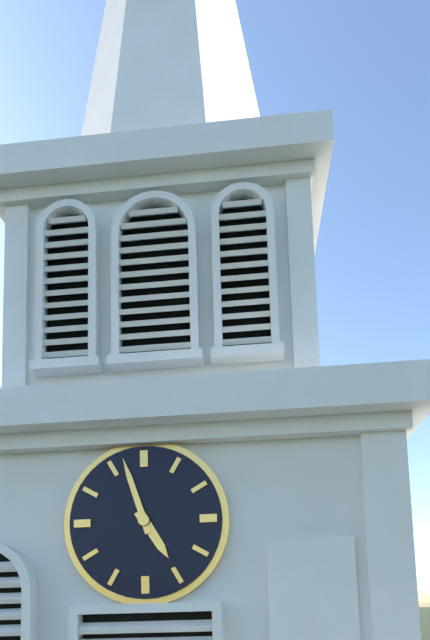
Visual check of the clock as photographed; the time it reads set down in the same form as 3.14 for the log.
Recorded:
4.57
